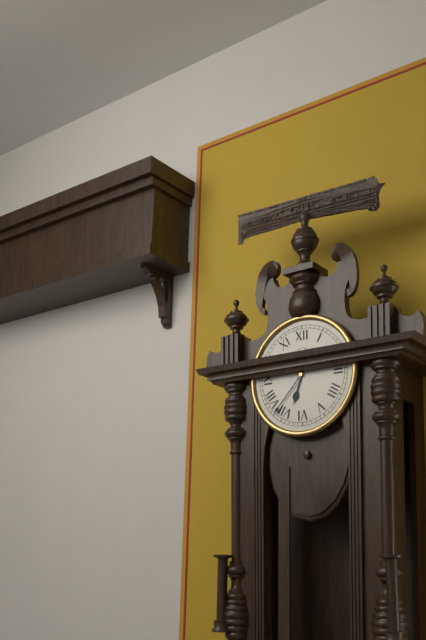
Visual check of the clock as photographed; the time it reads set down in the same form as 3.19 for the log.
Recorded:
6.37
